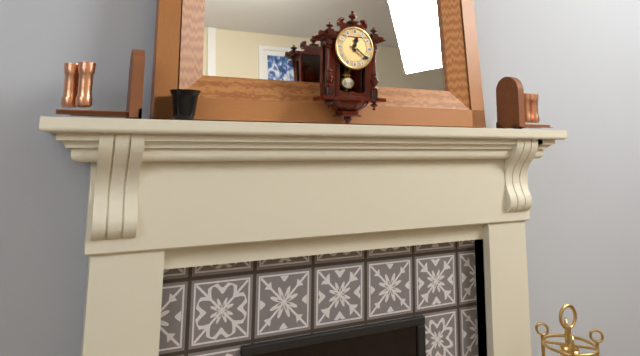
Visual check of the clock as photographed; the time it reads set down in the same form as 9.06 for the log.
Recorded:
12.21
